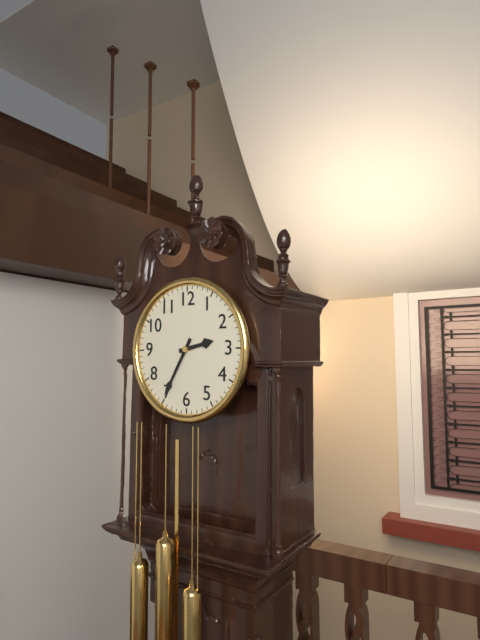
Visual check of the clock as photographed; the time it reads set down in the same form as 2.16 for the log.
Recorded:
2.35
